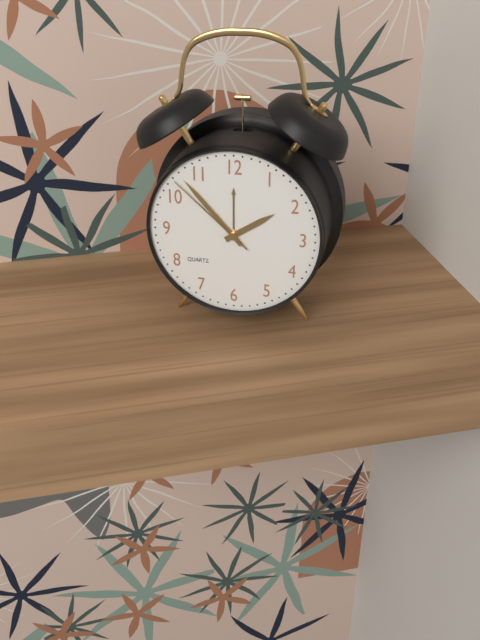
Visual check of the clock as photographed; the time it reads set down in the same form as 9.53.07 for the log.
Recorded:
1.53.52
